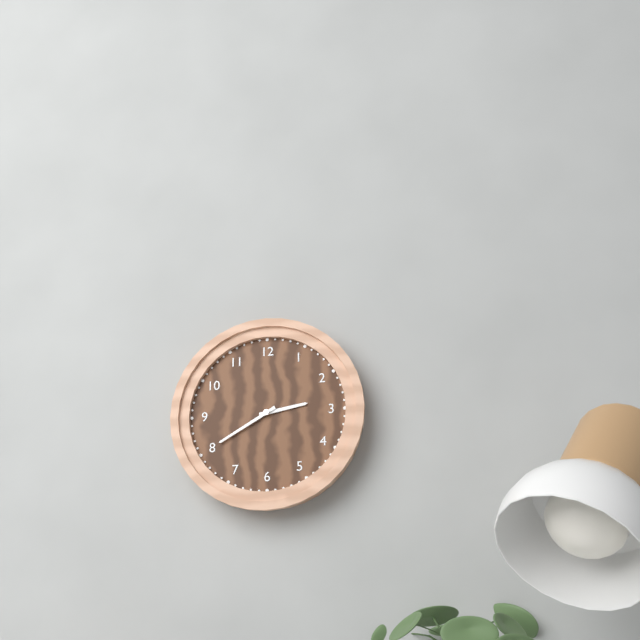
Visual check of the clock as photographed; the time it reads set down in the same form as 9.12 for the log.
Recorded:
2.40
